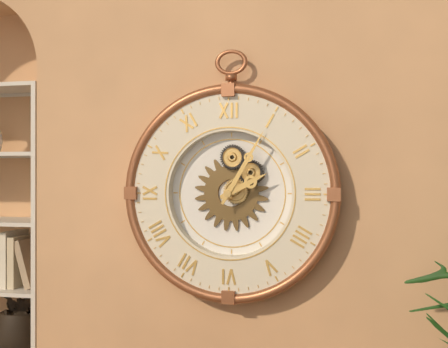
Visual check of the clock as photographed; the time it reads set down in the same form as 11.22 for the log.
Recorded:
2.05
